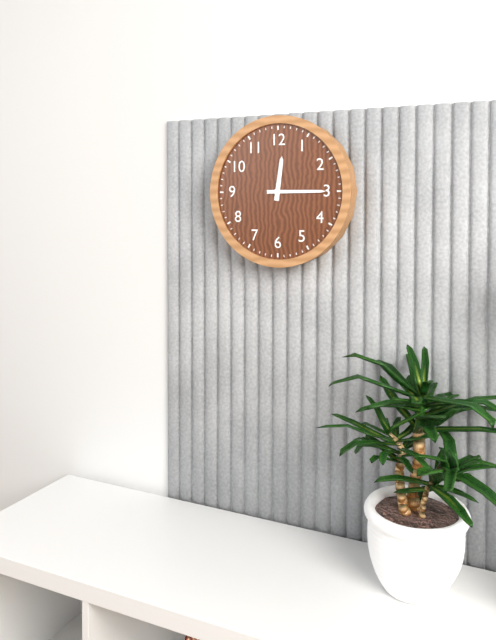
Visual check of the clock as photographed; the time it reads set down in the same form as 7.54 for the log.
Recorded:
12.15
